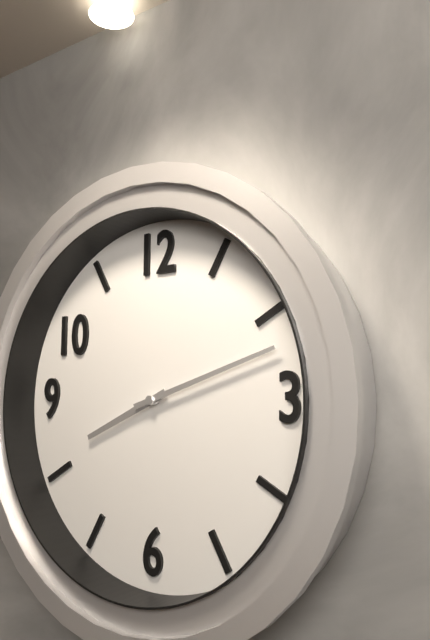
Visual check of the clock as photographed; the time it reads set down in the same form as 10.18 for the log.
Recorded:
8.12
